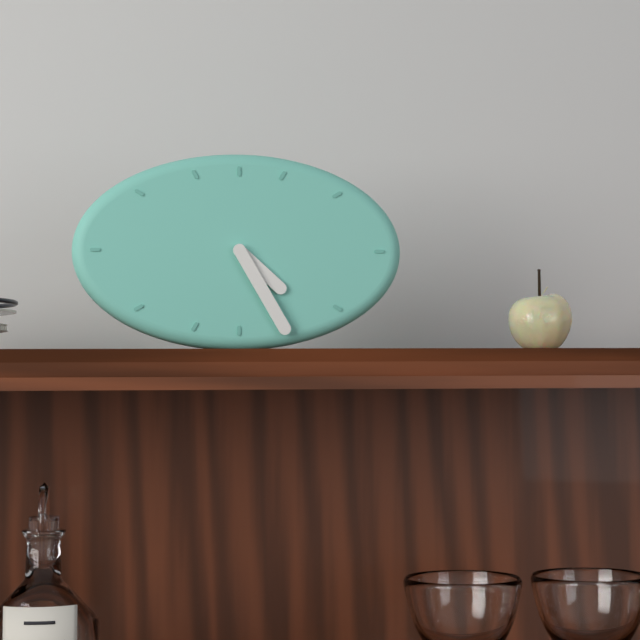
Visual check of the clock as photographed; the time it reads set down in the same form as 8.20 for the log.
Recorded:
4.25
